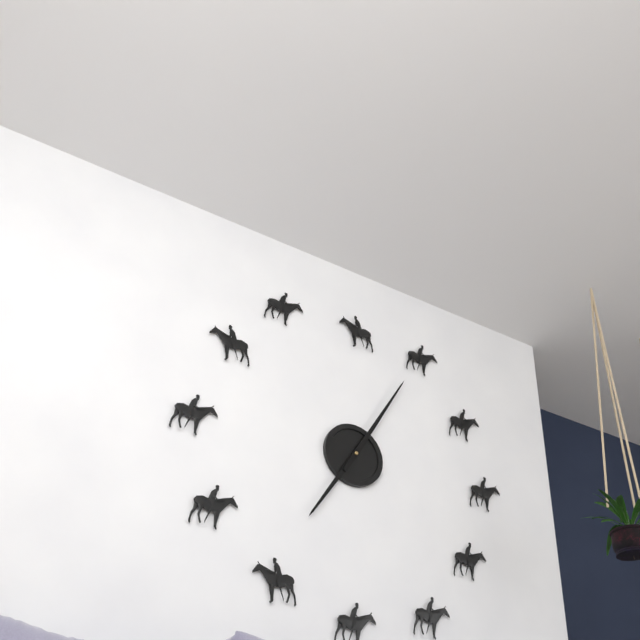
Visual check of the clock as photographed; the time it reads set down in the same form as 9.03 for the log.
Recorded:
7.05
